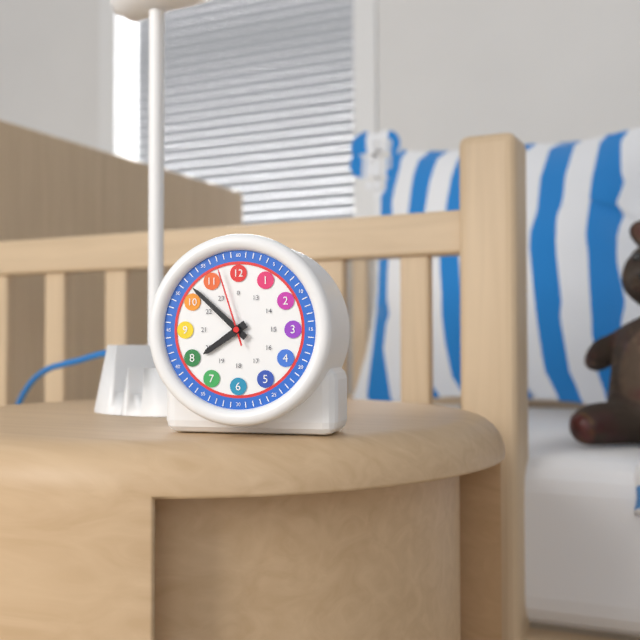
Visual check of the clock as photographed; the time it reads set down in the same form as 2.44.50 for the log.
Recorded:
7.52.57
